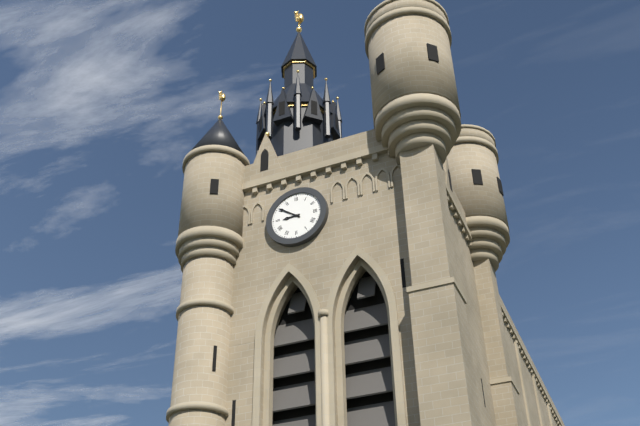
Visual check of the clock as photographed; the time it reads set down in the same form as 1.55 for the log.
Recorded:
8.51
